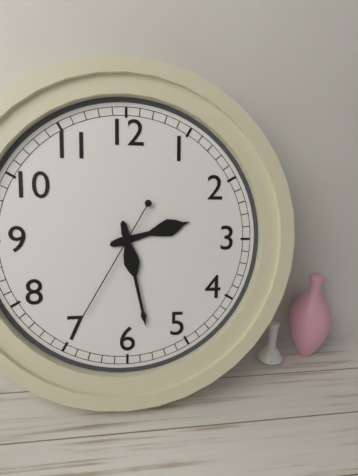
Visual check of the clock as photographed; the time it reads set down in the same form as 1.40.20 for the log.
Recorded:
2.28.35
